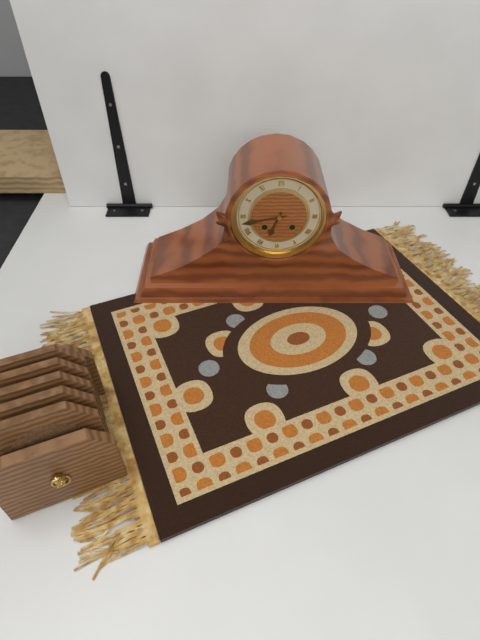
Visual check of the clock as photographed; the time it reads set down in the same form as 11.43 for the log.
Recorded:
6.43
